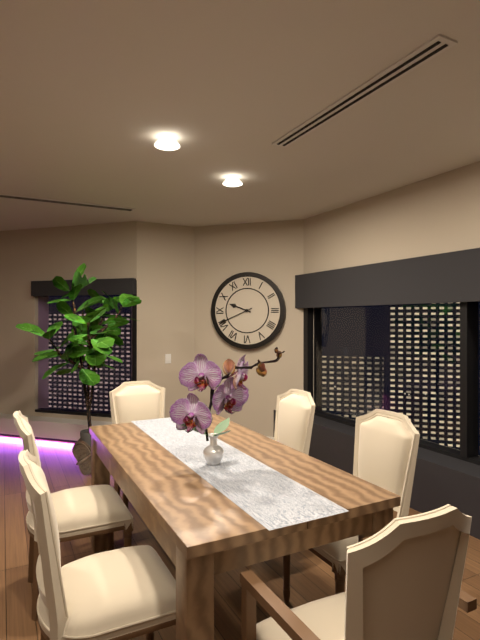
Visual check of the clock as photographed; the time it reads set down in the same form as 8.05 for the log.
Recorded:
9.41
